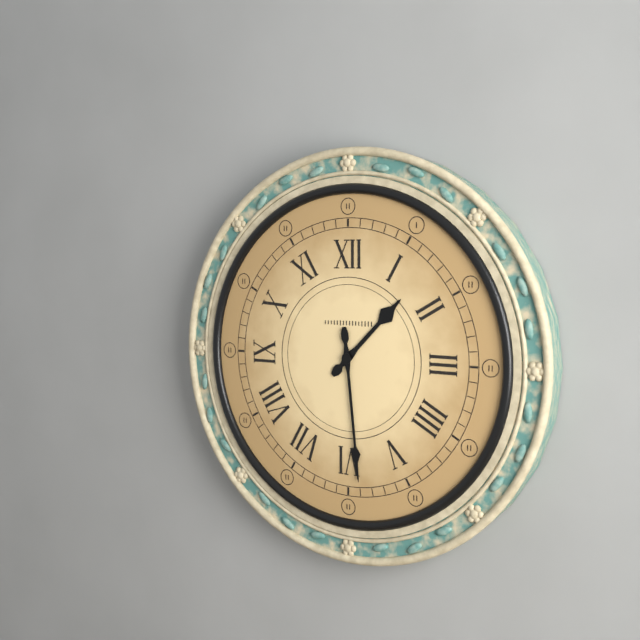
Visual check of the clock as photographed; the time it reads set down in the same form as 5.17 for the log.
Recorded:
1.29
